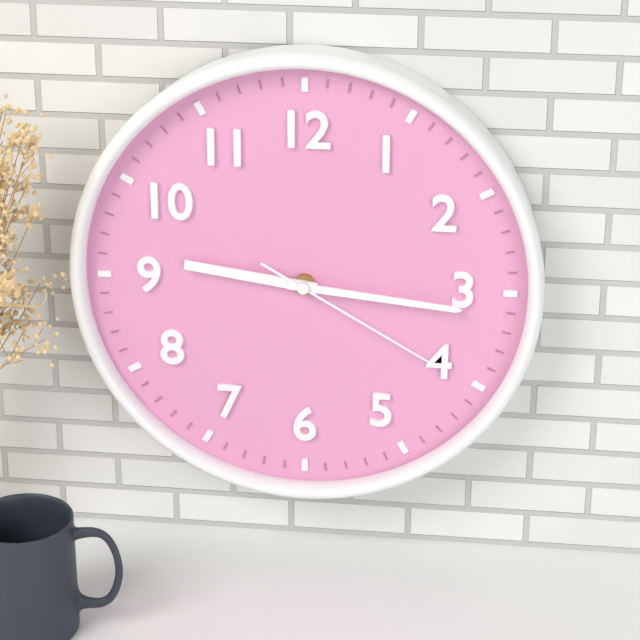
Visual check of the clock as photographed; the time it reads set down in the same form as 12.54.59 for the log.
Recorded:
9.16.20
